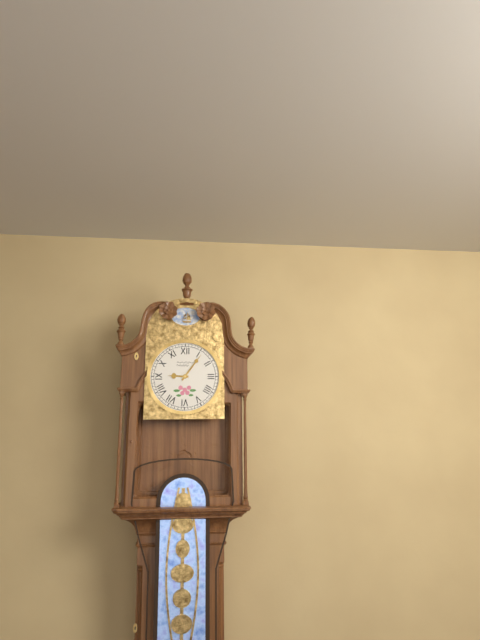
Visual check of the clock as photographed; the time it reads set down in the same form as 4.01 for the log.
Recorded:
9.06
